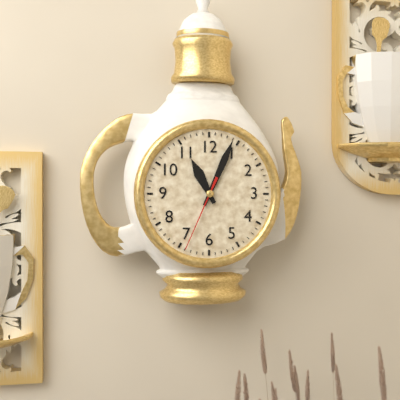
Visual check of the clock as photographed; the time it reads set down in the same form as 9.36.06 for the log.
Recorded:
11.04.34
